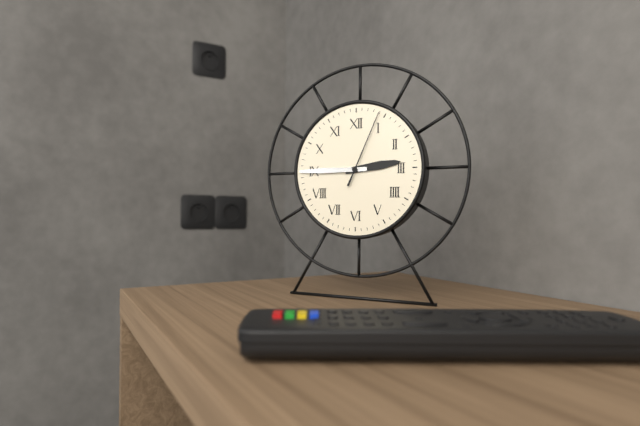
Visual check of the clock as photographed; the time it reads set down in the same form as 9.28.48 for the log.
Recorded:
2.45.04
